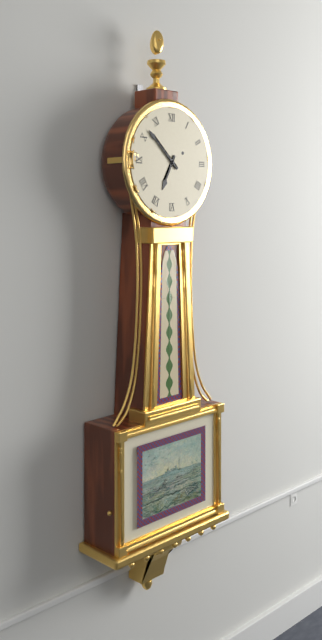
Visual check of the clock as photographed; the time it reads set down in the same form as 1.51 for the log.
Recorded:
6.52
